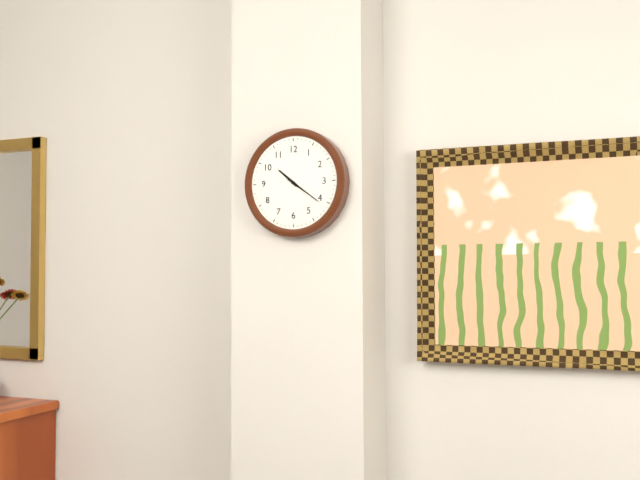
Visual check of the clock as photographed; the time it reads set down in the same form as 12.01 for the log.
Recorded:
10.21
